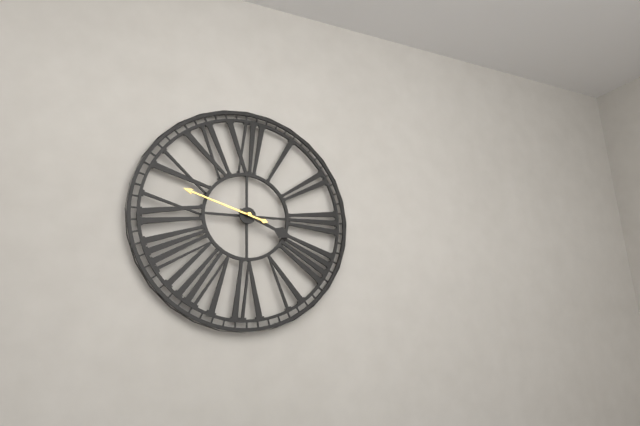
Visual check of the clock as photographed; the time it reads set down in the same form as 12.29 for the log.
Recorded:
3.48
